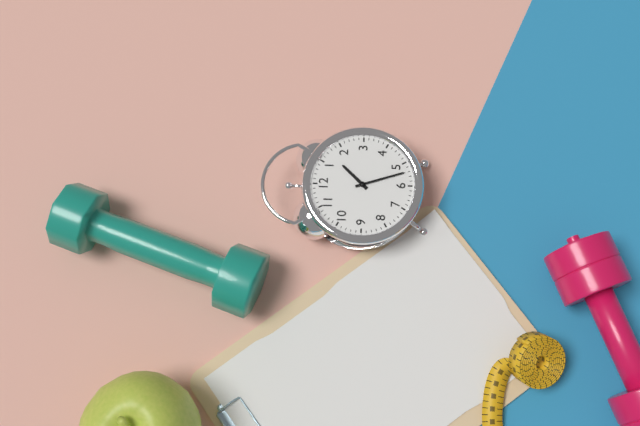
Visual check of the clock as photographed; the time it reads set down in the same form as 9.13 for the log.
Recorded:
1.27
